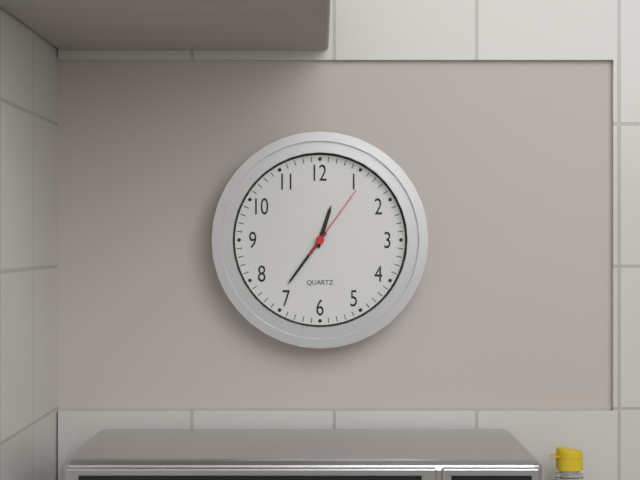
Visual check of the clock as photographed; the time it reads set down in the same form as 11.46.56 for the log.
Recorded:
12.36.06
